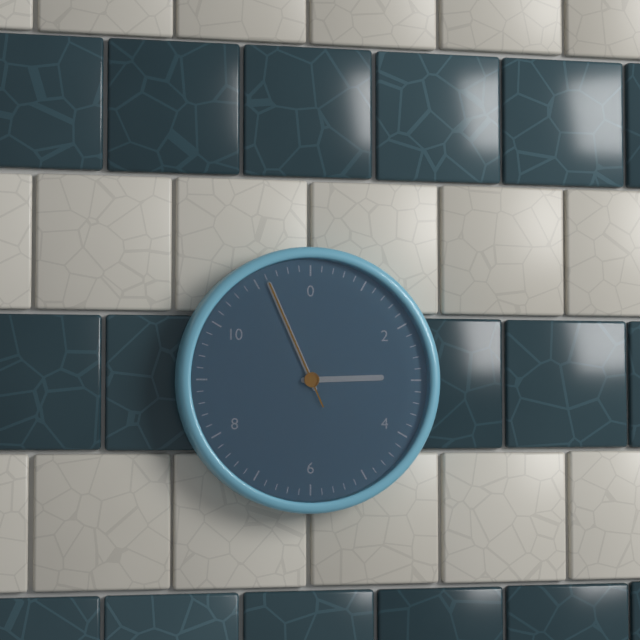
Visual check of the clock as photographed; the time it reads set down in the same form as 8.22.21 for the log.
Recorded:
2.56.56
